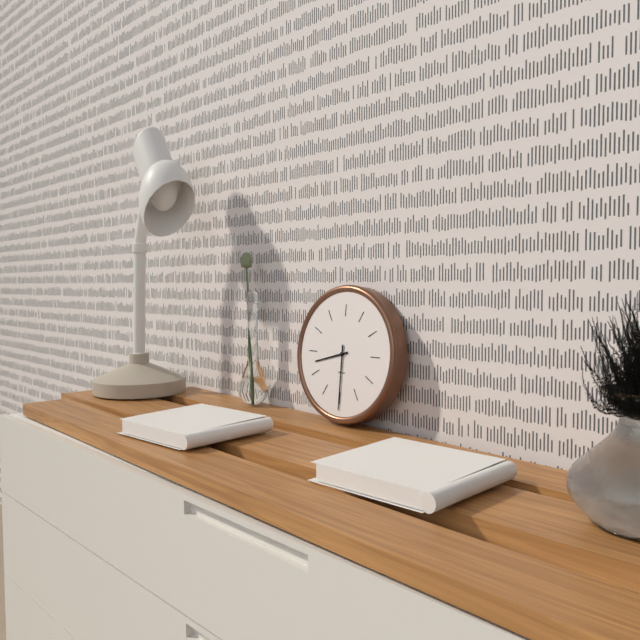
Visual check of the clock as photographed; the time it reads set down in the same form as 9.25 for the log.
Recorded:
8.30
